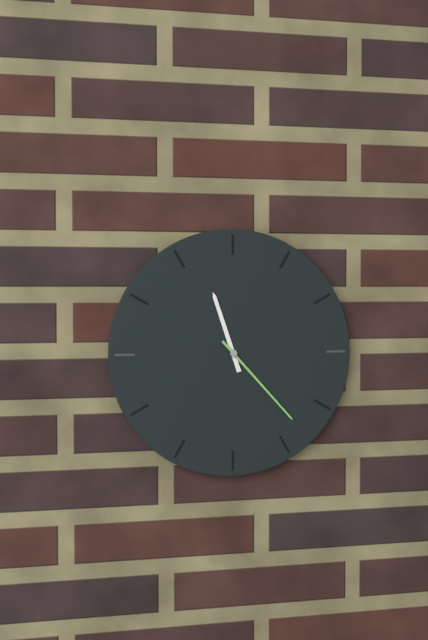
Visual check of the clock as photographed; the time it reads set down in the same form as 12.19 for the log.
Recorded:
11.23
